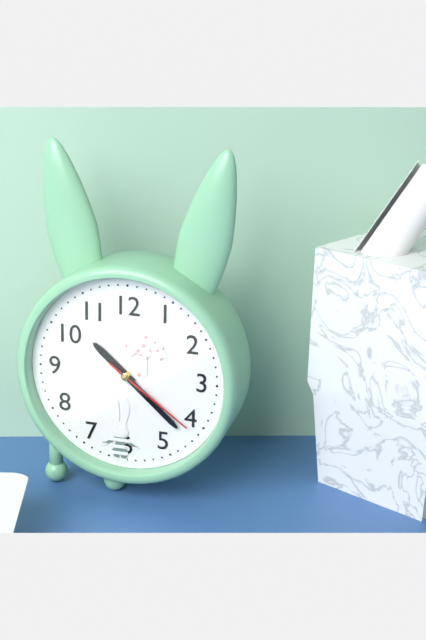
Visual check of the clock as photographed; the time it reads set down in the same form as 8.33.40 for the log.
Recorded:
10.22.21
